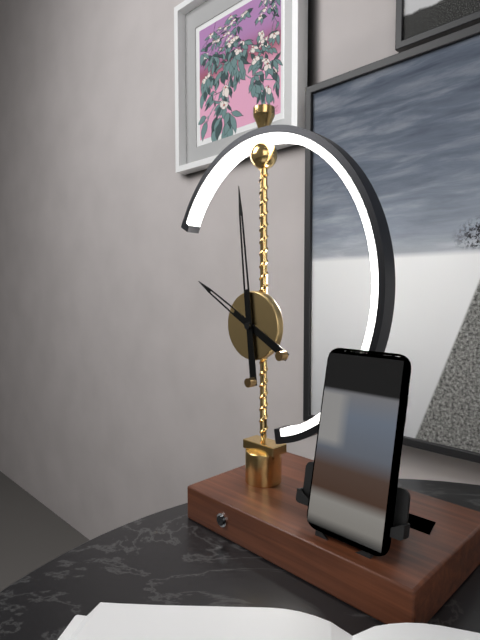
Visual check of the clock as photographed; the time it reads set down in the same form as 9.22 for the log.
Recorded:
9.59
